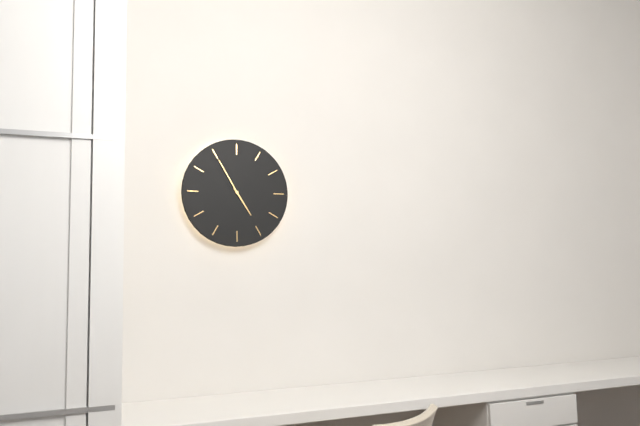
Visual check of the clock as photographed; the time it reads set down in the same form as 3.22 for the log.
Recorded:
4.55
